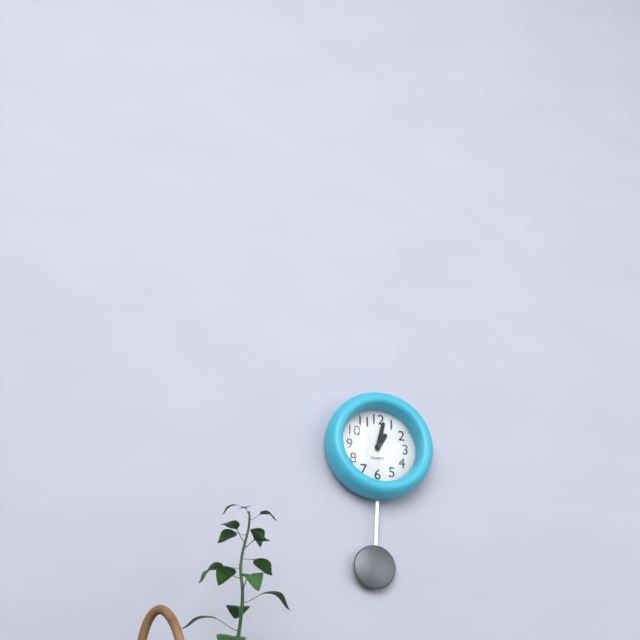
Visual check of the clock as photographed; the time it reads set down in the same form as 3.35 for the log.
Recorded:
1.02
